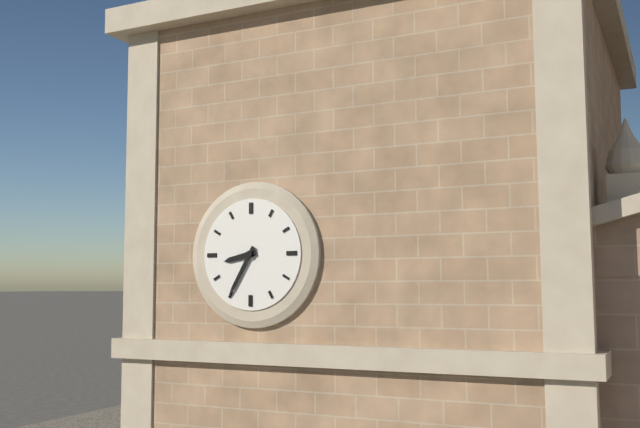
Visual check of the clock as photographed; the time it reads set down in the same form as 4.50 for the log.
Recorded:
8.35
